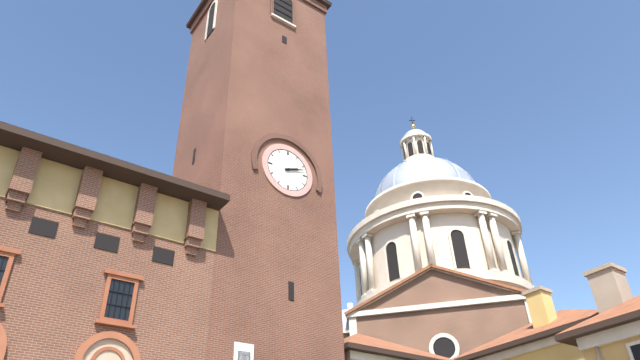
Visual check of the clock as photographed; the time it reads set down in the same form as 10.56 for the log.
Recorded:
2.12
